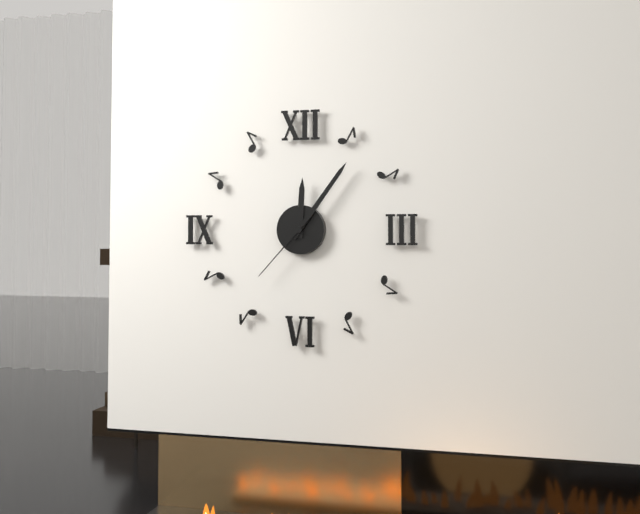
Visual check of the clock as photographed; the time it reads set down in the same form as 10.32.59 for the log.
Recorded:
12.06.37
